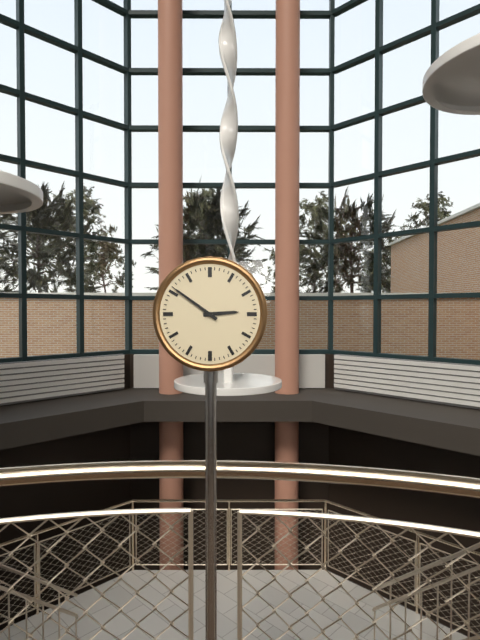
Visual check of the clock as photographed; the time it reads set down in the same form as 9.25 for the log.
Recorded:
2.51
